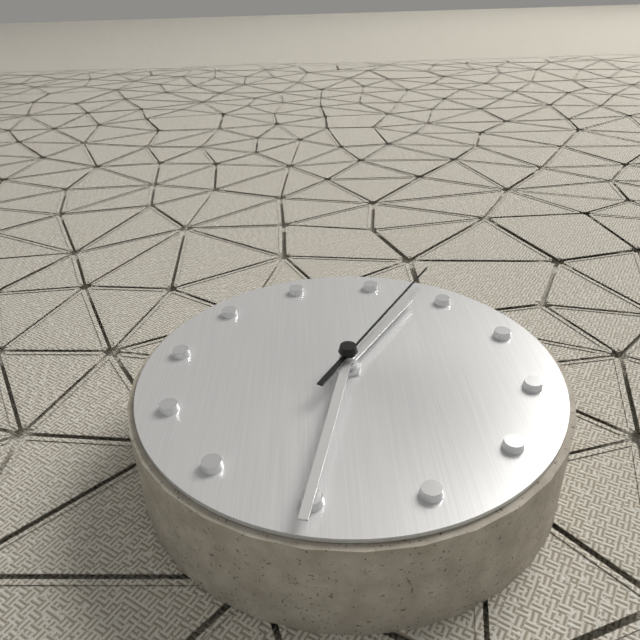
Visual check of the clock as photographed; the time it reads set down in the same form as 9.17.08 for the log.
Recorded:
2.40.13
